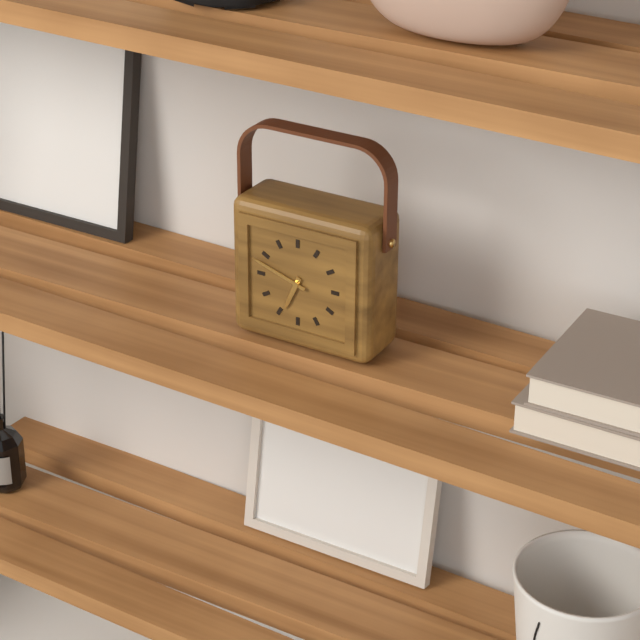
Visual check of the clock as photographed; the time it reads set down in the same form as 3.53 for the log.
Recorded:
6.48
